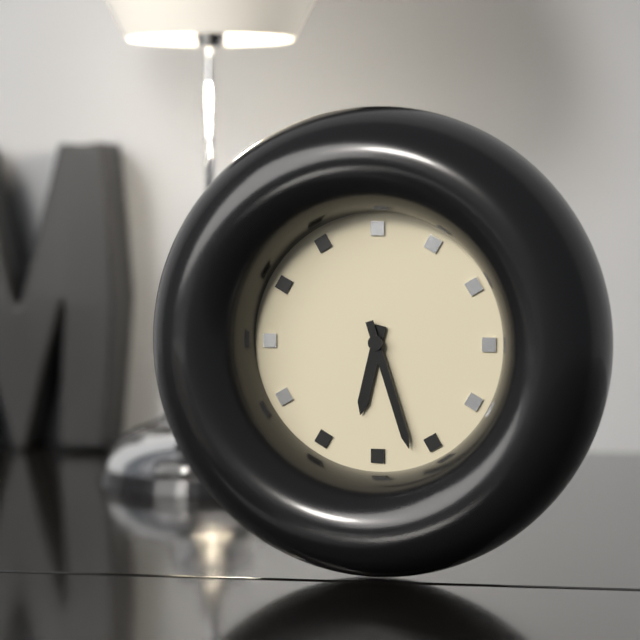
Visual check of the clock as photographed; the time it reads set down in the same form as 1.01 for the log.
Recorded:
6.27
